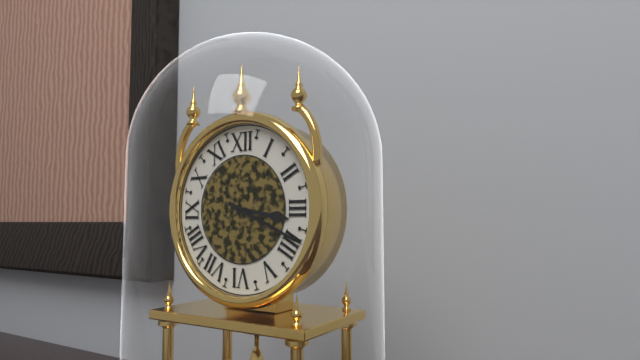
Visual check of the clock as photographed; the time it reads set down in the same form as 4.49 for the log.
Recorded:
3.19
